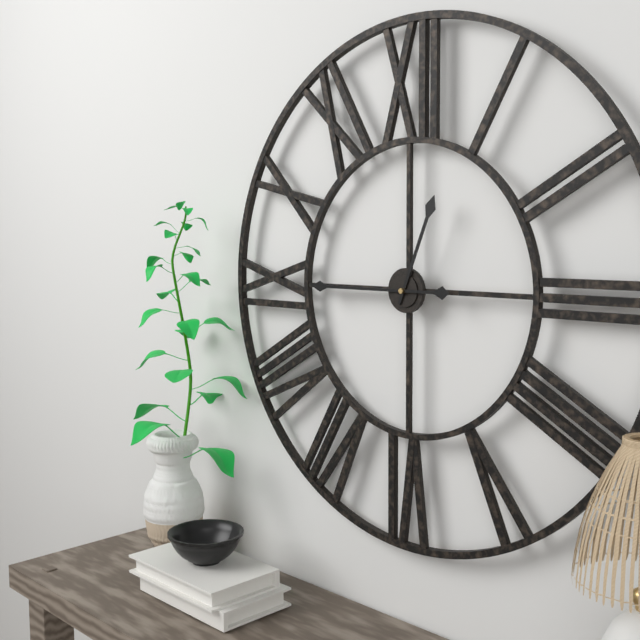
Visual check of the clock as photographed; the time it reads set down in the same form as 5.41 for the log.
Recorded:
12.45
